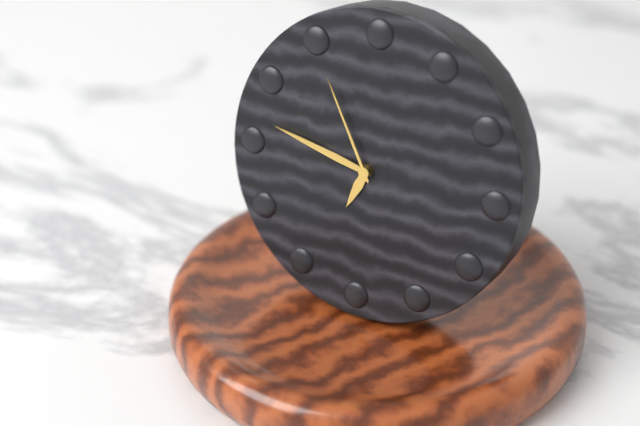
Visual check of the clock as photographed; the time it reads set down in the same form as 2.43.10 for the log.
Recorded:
6.47.55
